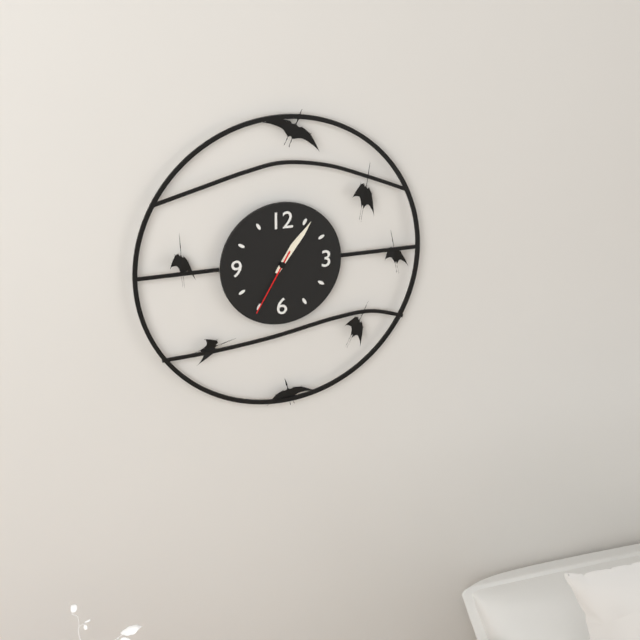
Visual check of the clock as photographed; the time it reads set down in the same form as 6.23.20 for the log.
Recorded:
1.06.35
